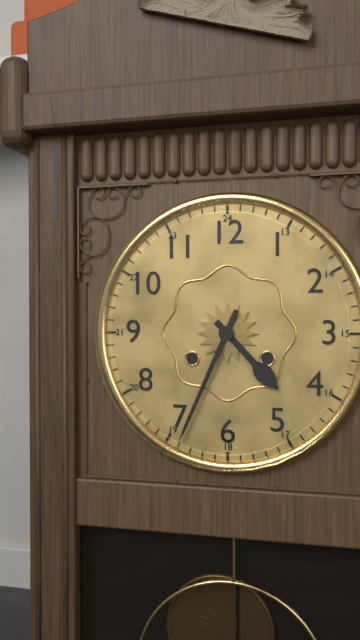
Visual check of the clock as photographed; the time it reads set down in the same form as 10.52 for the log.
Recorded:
4.34
